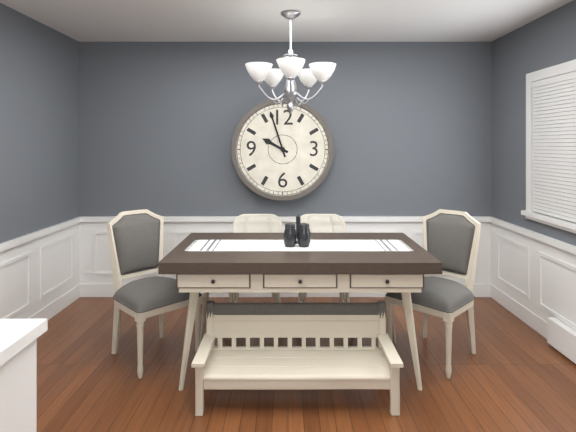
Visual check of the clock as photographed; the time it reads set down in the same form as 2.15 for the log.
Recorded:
9.57
